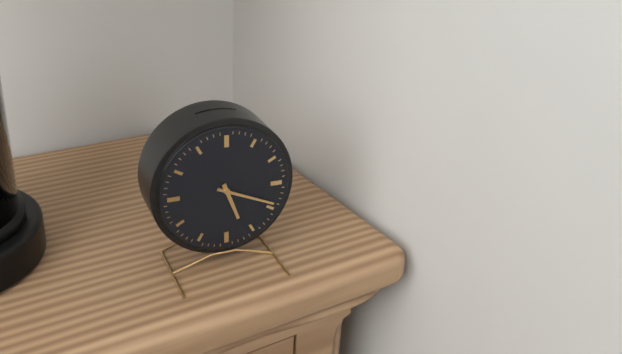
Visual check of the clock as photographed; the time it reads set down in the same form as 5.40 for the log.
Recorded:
5.19
